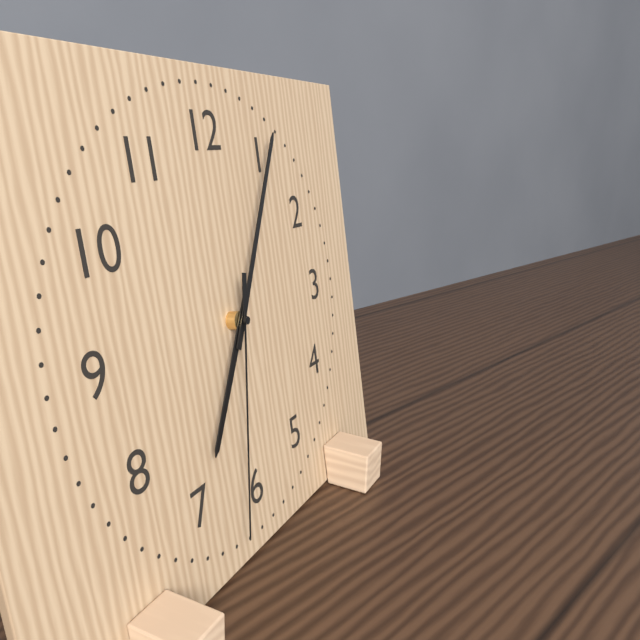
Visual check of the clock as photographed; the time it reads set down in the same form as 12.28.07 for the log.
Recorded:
7.05.32
